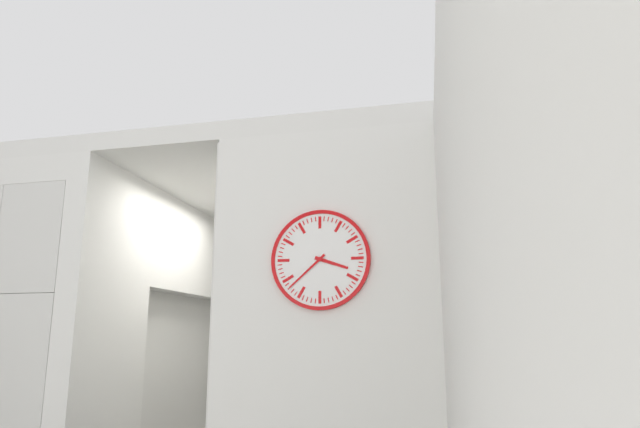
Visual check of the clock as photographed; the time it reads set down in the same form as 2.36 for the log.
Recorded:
3.38
